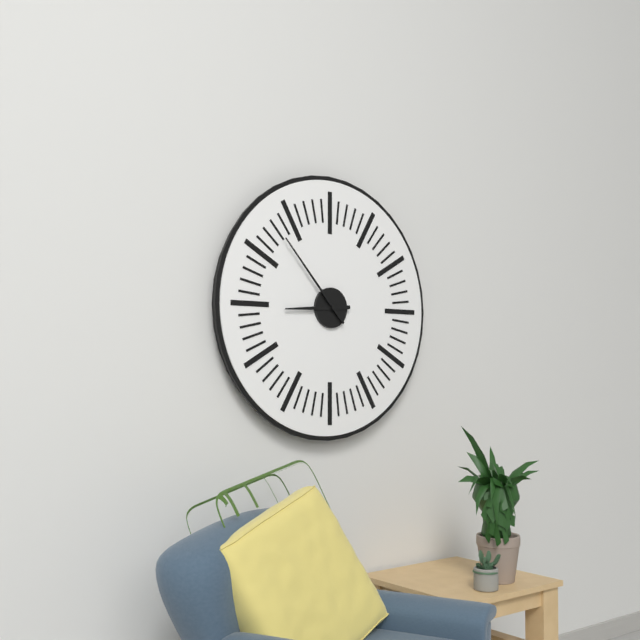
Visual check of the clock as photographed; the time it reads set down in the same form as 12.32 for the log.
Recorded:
8.53
